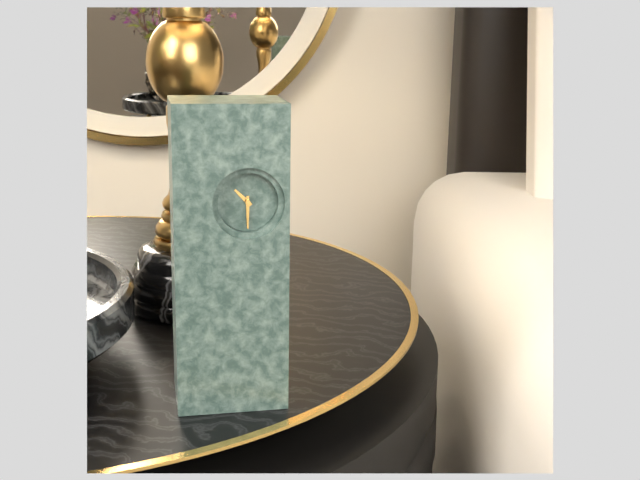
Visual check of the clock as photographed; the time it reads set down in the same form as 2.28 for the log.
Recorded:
10.30
